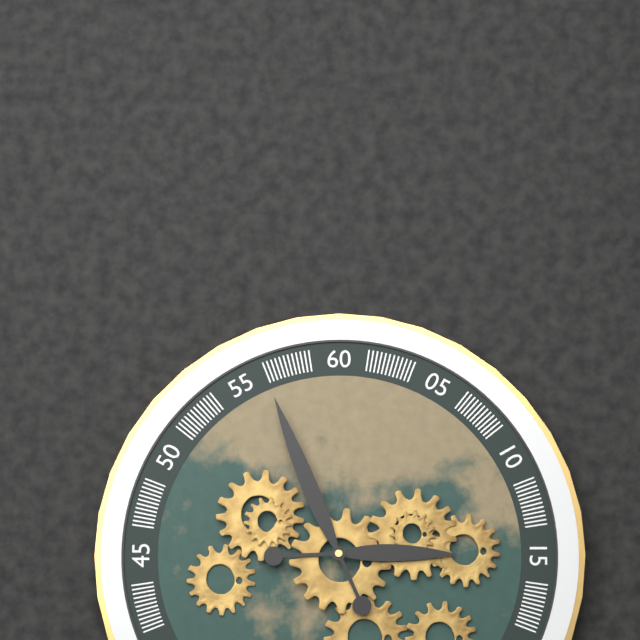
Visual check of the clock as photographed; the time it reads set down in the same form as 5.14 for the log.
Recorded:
2.56
